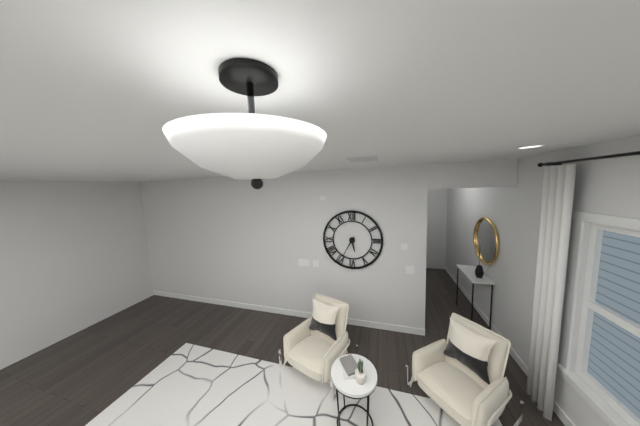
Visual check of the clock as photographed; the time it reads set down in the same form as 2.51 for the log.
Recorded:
5.35
